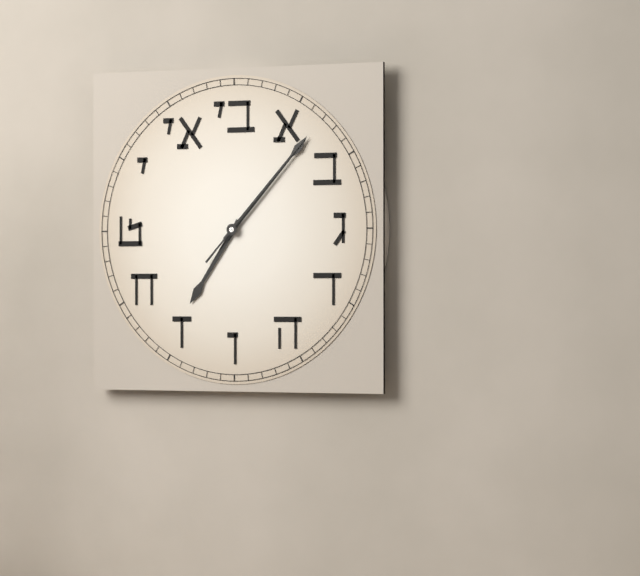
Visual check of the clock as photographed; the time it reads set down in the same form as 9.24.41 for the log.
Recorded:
7.07.07
